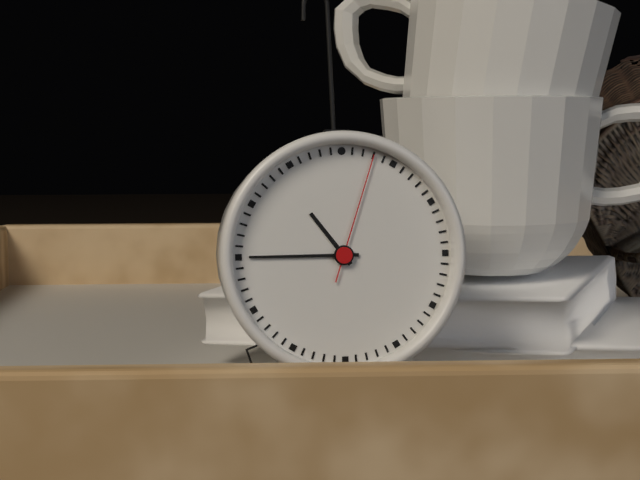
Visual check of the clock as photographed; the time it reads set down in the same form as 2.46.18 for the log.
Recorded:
10.45.03
